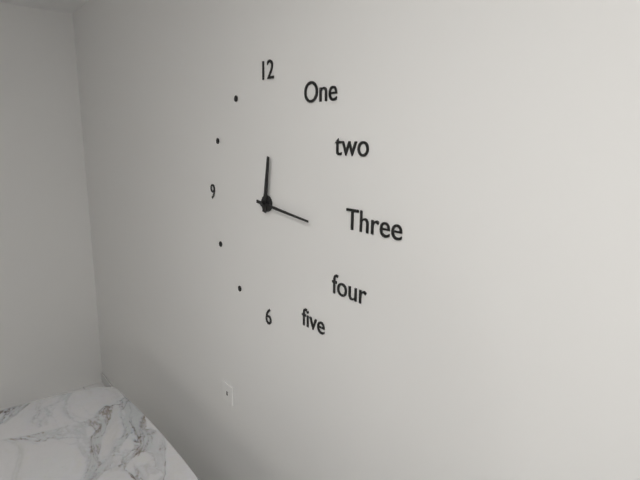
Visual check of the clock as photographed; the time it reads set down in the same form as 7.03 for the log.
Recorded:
12.16
